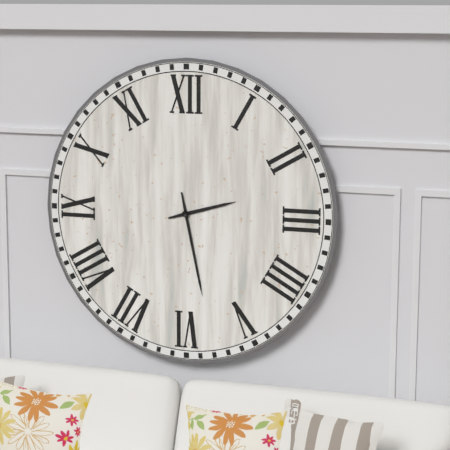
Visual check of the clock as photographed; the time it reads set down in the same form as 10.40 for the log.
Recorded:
2.28
